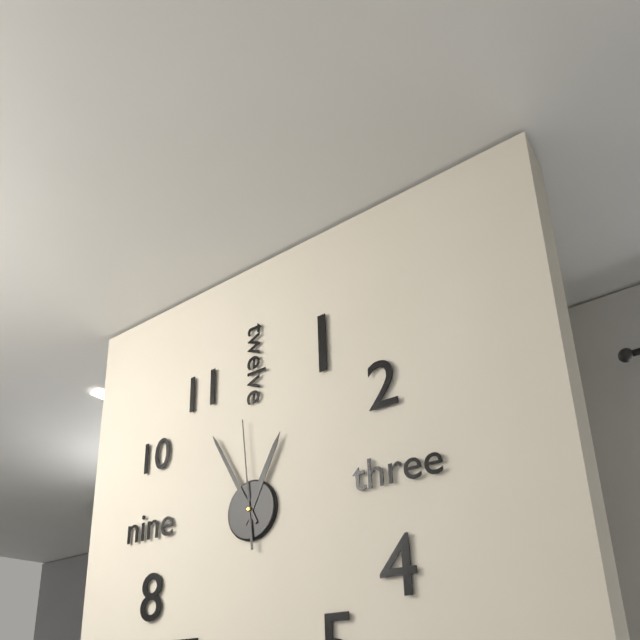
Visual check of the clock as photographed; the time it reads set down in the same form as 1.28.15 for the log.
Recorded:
12.55.59
